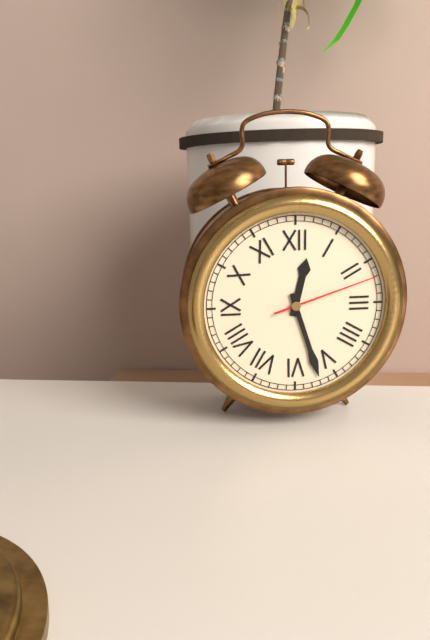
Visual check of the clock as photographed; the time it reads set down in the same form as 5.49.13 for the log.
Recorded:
12.27.12
